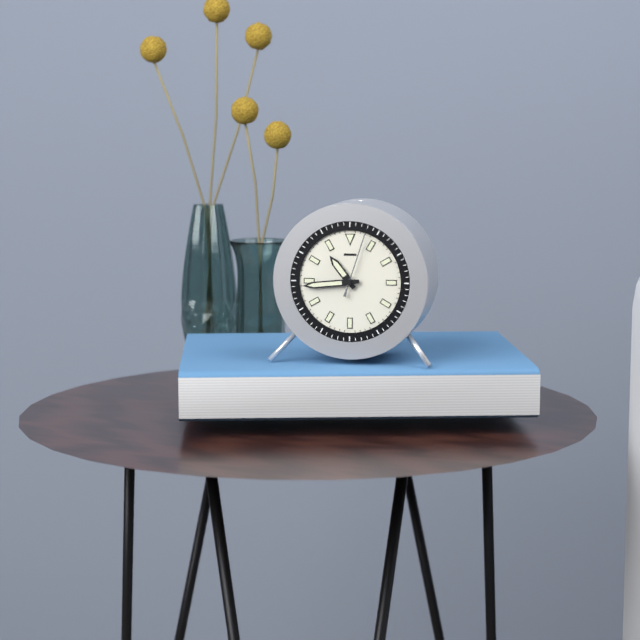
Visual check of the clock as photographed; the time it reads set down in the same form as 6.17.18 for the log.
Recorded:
10.44.03
